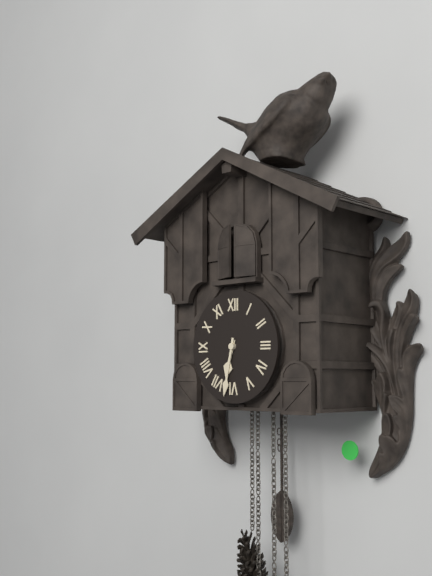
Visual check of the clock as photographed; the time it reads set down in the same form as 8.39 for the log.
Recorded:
6.32
